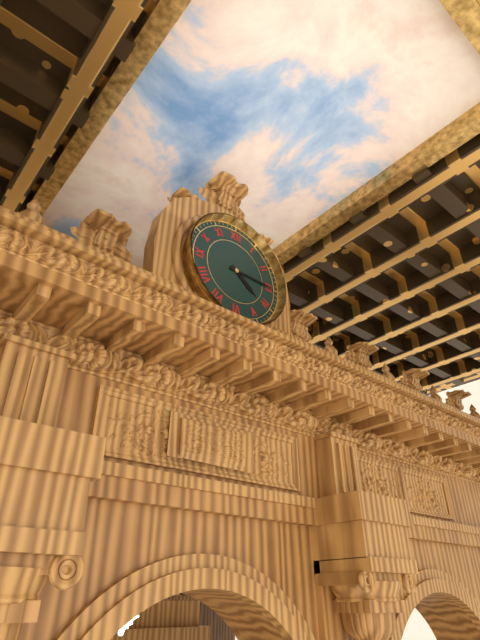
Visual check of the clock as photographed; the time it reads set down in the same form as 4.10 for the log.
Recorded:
4.15
